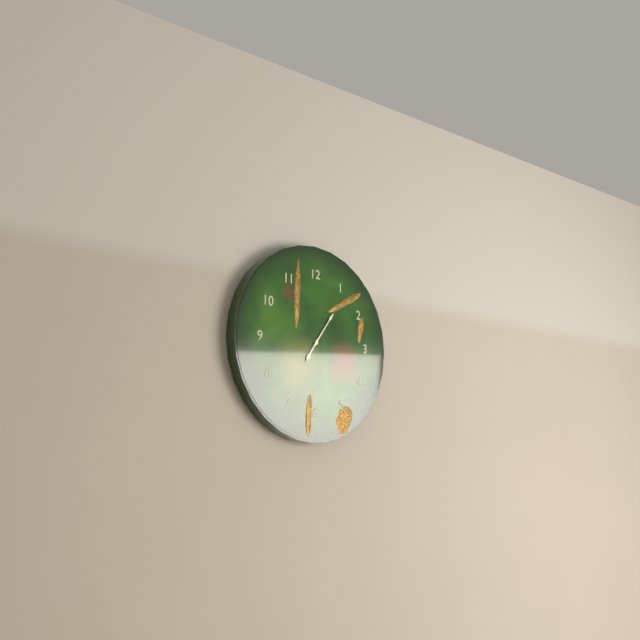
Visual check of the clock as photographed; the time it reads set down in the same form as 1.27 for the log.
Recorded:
7.06
